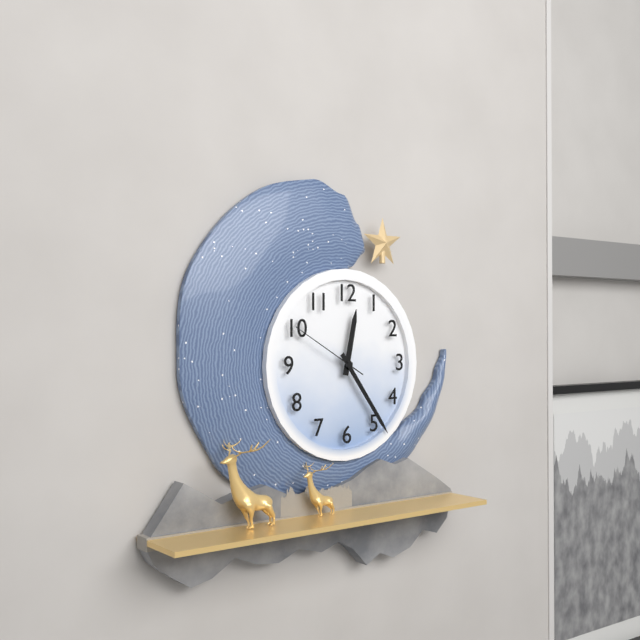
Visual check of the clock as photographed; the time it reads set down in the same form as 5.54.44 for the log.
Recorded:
12.24.50
